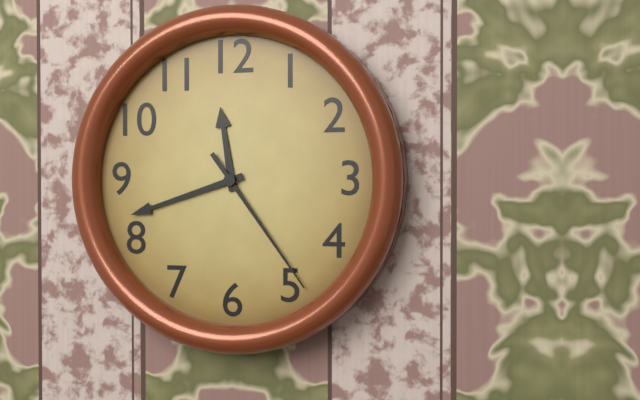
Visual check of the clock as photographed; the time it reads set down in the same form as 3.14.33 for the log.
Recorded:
11.42.24
